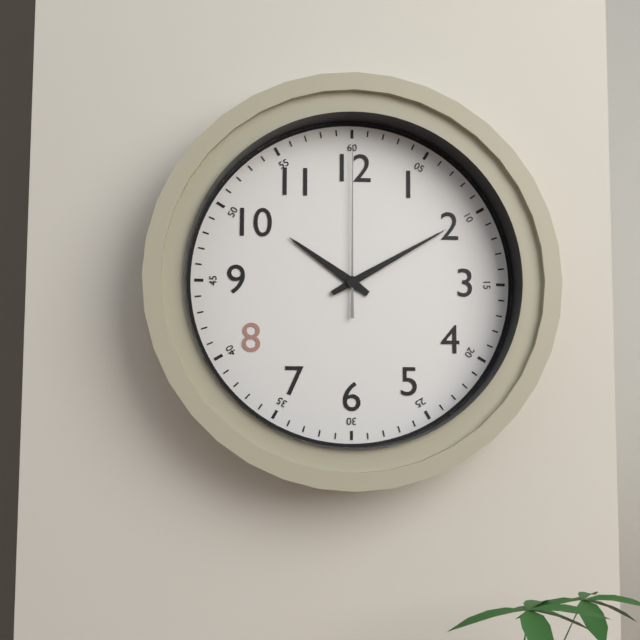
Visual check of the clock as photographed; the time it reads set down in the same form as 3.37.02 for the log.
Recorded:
10.10.00
